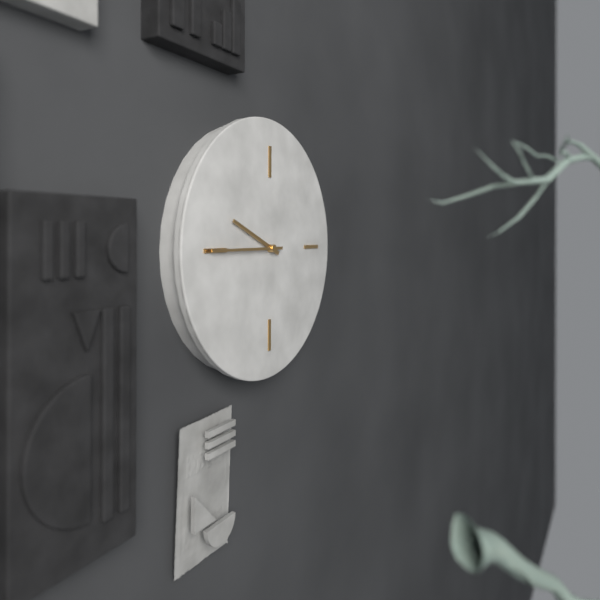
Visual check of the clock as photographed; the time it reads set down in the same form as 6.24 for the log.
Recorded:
9.45
